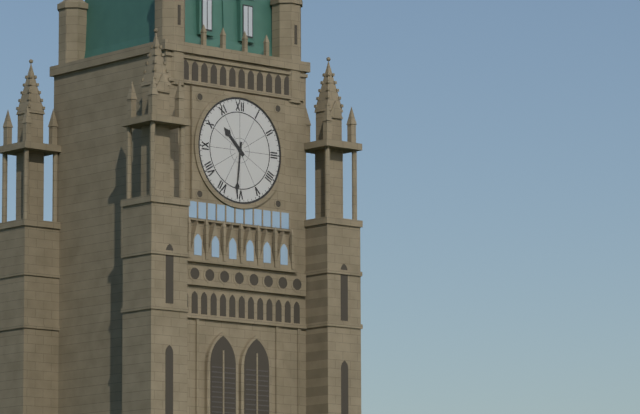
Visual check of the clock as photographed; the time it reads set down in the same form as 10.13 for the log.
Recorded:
10.31
